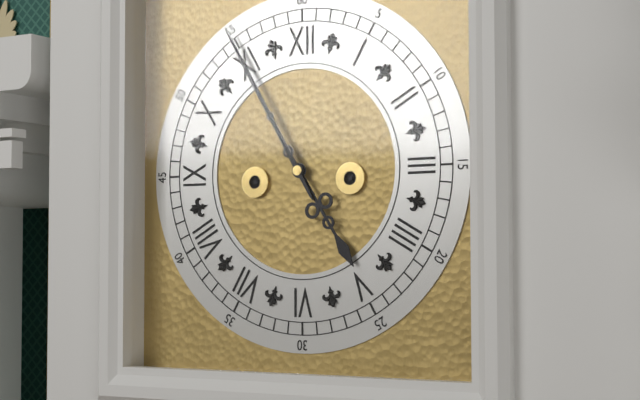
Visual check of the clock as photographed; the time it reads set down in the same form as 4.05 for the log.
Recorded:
4.55
